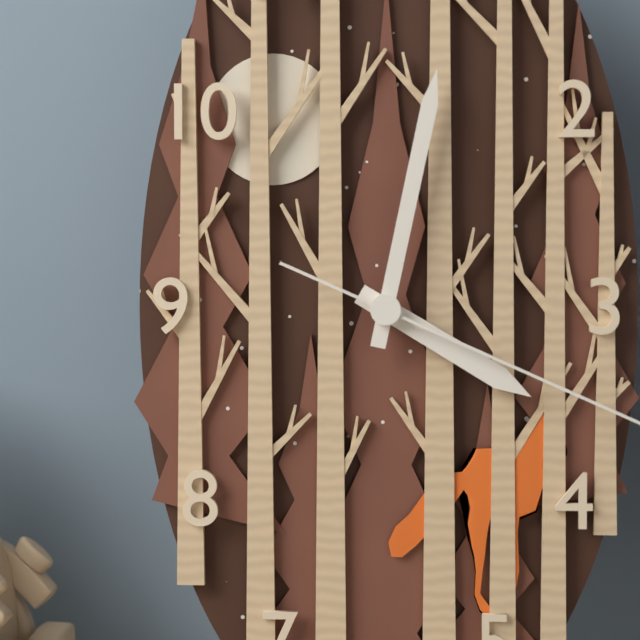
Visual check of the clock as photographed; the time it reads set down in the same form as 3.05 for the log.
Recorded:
4.02
